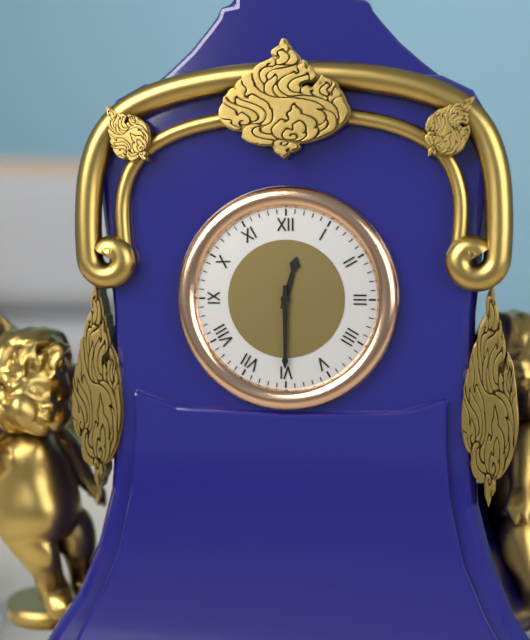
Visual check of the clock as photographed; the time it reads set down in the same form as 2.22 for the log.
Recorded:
12.30
